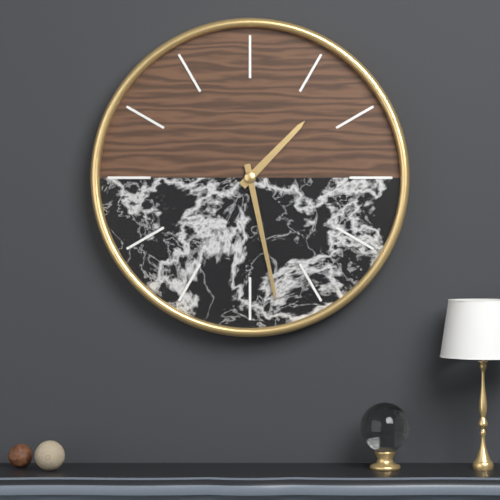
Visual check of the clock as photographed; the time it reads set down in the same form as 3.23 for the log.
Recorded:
1.28
